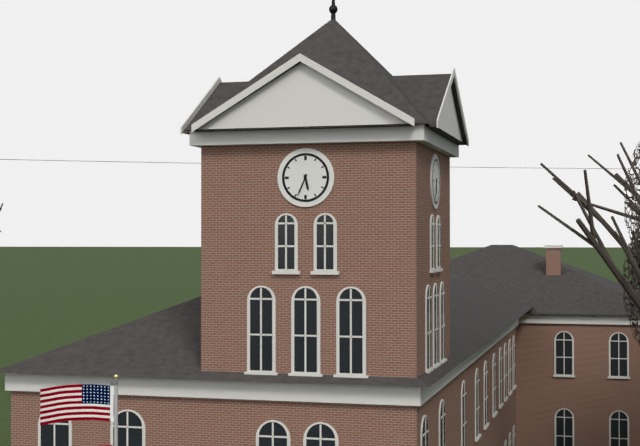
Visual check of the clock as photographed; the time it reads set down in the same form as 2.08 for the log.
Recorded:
5.34
